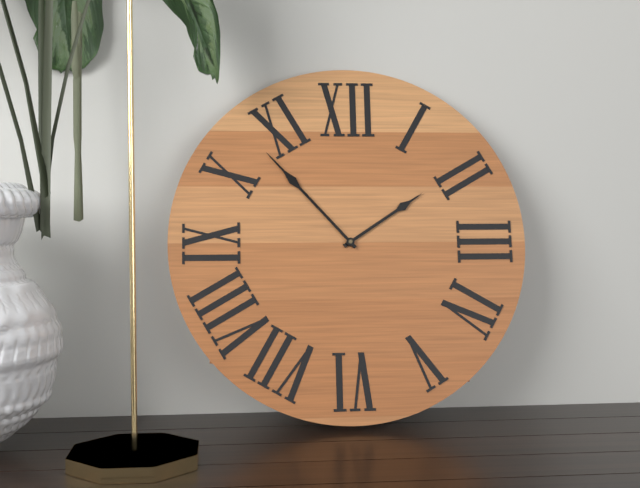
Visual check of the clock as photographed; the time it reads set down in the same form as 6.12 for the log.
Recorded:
1.53
